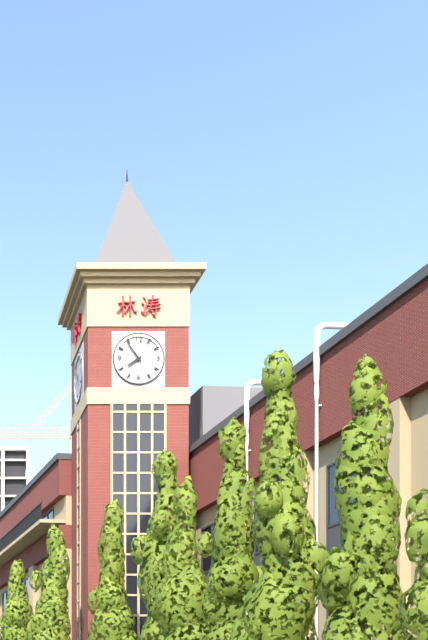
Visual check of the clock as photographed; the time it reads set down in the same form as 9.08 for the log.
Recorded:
7.54
